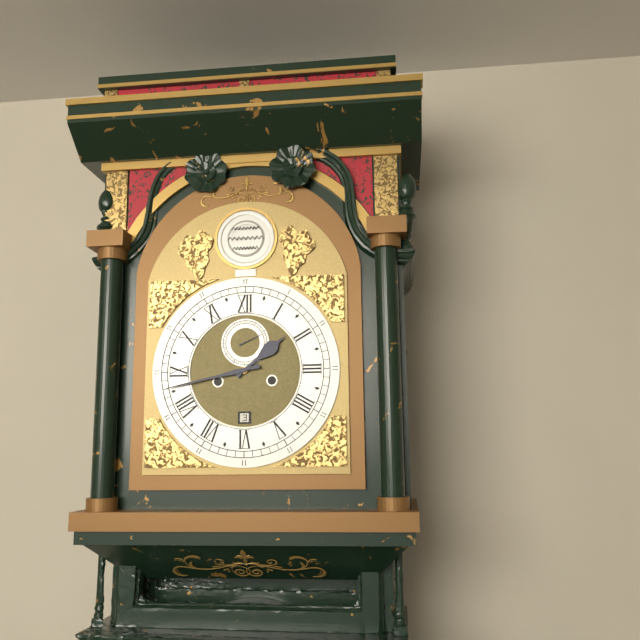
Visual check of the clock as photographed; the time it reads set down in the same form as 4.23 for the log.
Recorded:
1.43
